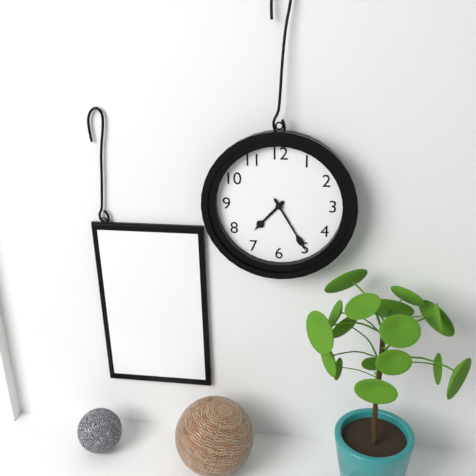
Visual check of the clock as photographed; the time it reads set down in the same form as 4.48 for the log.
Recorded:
7.25
